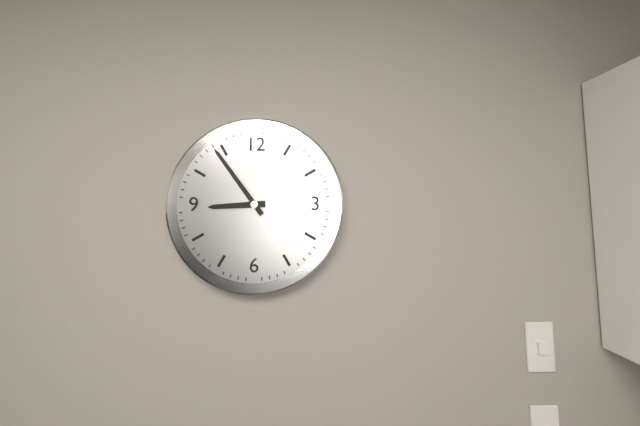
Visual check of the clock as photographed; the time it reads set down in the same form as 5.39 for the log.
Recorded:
8.54
